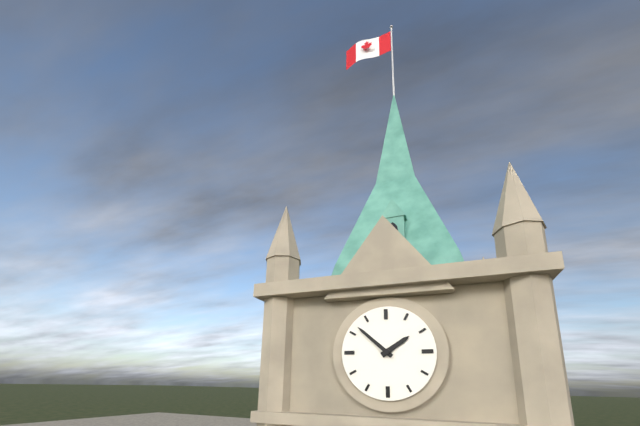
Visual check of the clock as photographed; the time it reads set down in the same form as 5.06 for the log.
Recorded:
1.52
